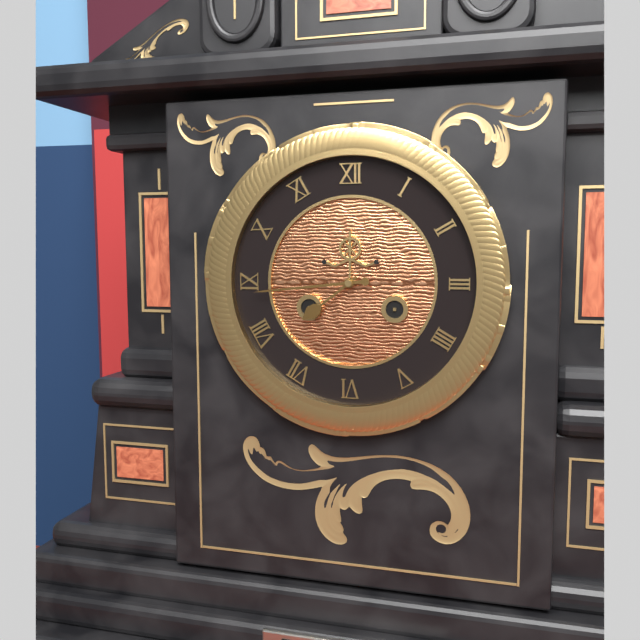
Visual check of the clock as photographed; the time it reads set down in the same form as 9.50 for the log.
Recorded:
7.44
